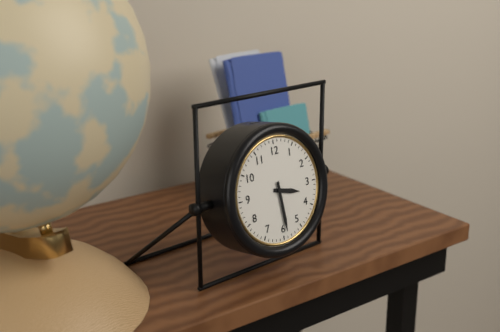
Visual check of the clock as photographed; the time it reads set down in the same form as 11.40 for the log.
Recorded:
3.29
